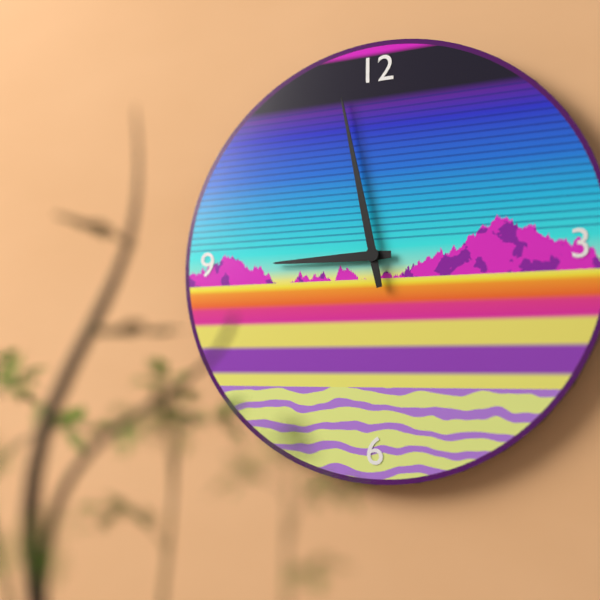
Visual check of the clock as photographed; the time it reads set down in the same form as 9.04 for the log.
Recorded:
8.58
